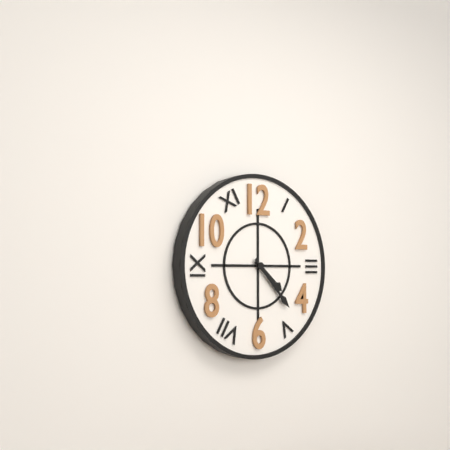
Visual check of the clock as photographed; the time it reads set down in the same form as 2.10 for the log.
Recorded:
4.23
